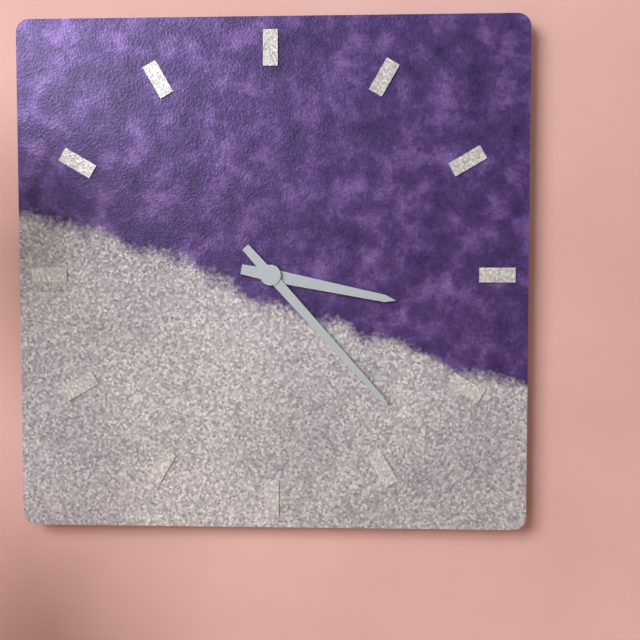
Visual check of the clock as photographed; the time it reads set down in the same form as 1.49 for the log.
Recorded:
3.23
